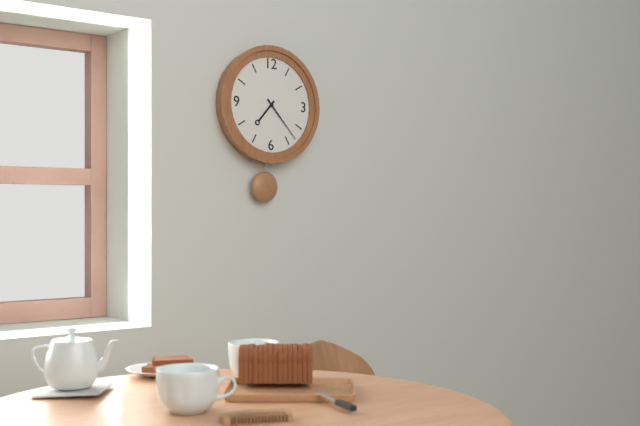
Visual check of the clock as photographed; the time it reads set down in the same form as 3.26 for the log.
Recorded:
7.23
